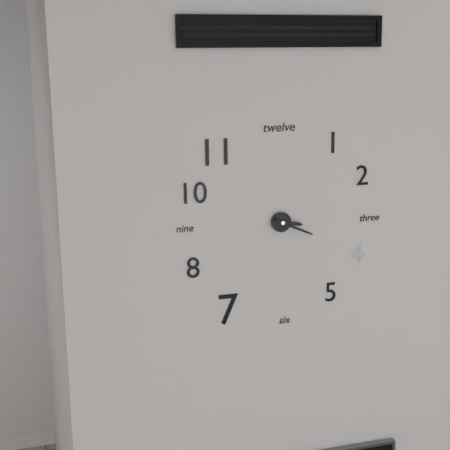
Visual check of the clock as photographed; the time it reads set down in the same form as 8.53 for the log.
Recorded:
3.19
